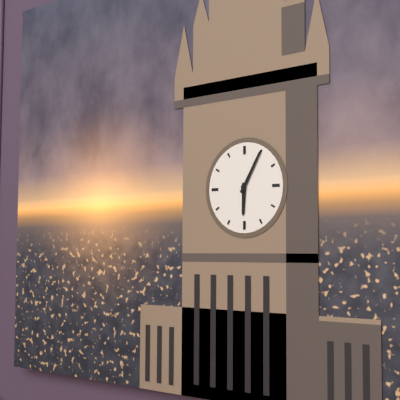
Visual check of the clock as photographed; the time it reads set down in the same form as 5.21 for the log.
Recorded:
6.05
